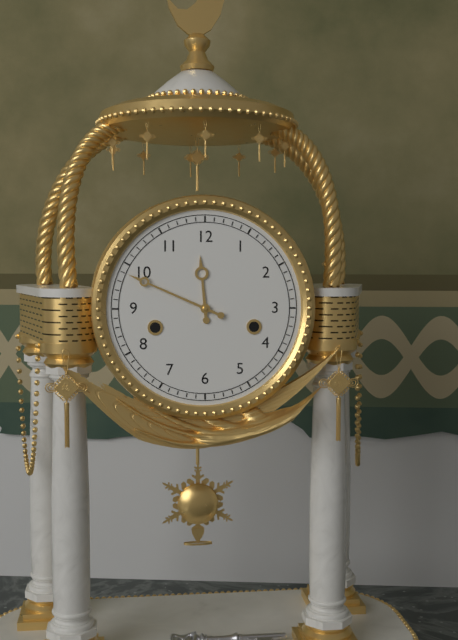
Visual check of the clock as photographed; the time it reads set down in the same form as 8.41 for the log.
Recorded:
11.49
